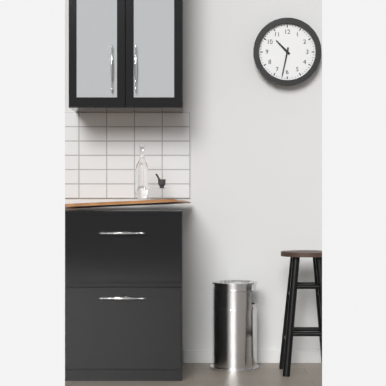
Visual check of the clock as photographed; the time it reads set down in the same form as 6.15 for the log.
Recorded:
10.32
